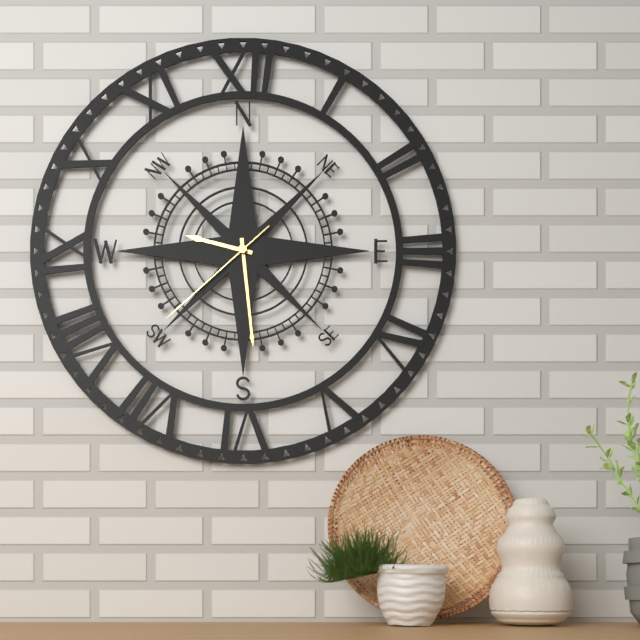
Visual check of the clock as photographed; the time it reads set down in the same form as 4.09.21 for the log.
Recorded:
9.29.38
